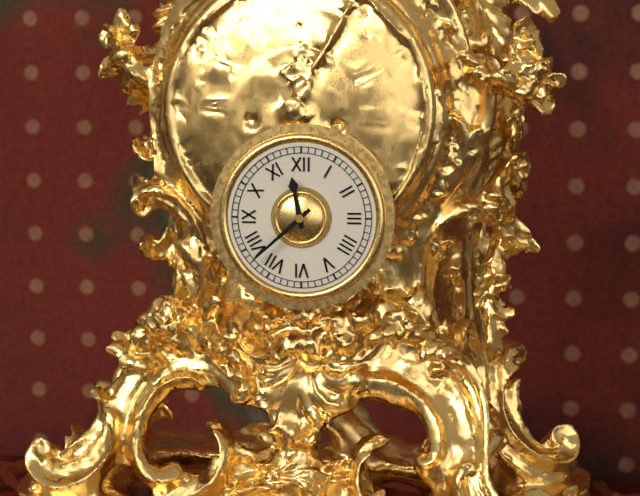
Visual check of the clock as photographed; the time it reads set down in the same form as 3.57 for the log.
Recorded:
11.38
